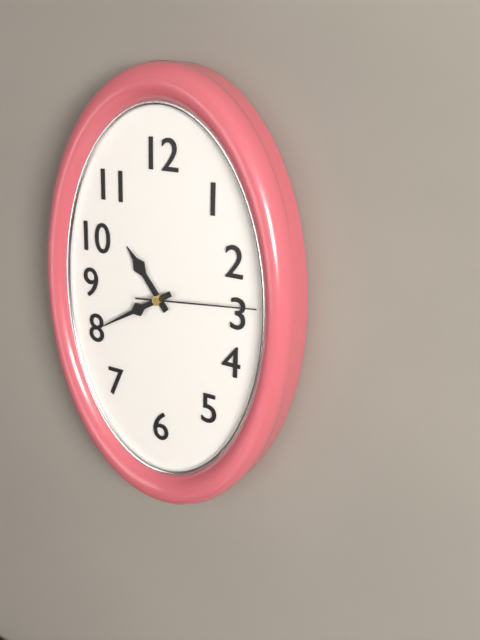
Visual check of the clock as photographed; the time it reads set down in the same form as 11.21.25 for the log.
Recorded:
10.40.14
